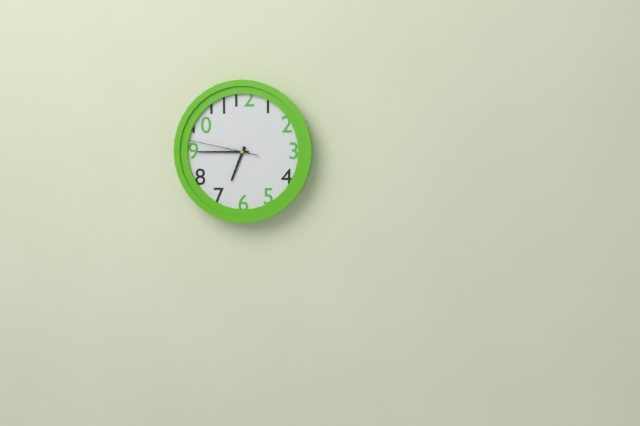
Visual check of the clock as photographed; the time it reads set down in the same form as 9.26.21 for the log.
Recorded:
6.45.47
